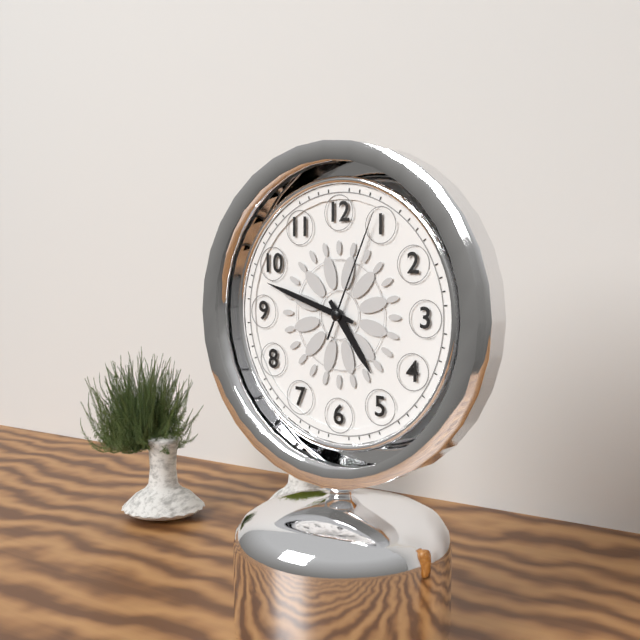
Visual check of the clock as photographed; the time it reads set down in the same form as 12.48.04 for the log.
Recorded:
4.48.04
